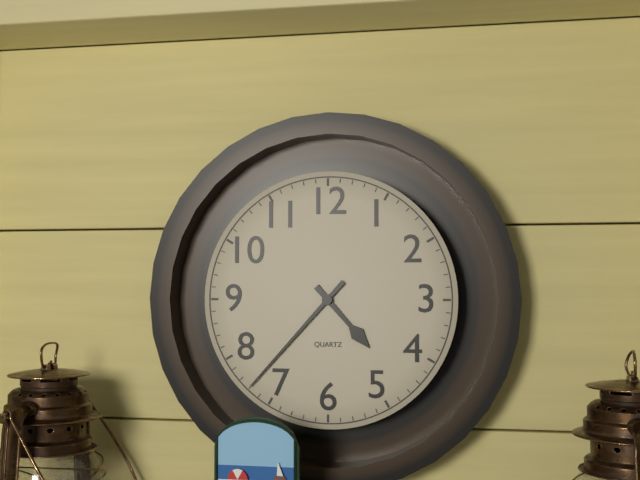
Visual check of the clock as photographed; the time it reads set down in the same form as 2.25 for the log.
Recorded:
4.37
